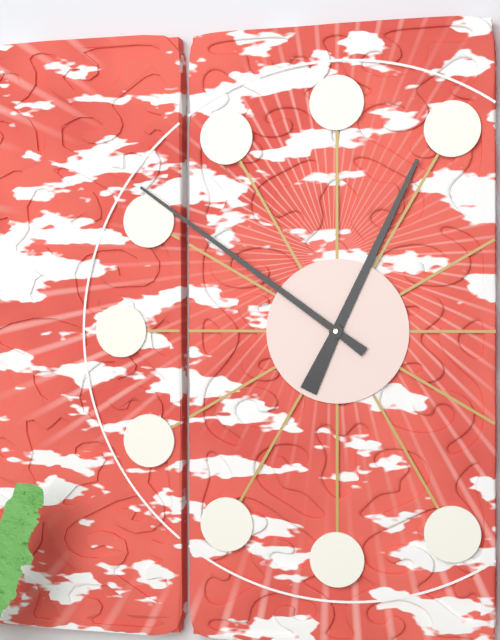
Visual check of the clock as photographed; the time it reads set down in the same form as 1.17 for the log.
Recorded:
12.51
